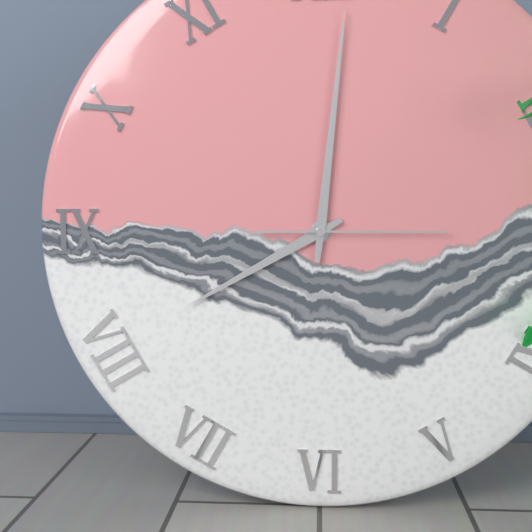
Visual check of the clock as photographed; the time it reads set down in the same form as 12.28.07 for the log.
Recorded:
8.01.15
